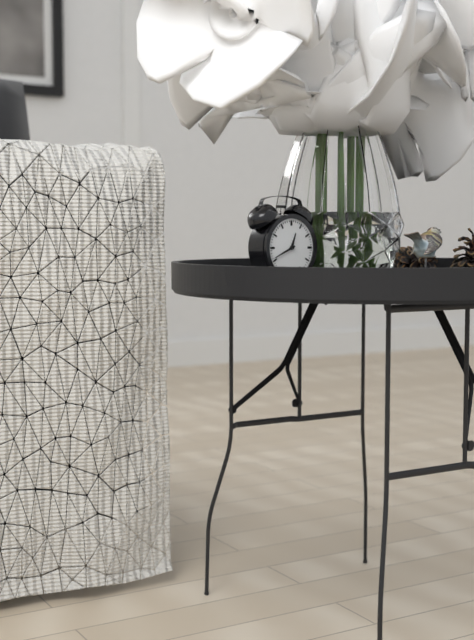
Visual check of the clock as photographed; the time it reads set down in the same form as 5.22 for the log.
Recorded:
12.41
